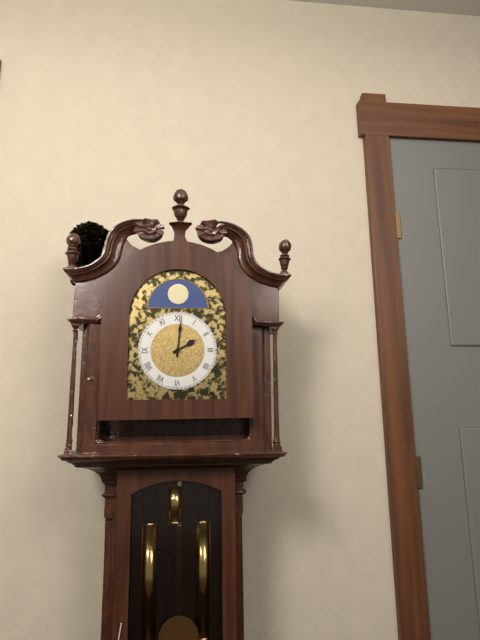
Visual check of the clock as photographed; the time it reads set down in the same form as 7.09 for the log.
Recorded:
2.01
